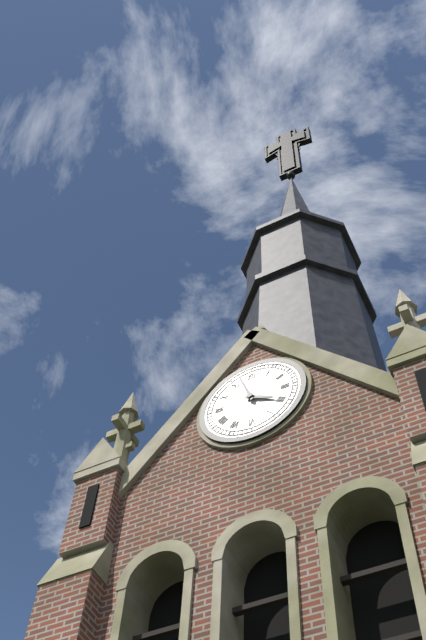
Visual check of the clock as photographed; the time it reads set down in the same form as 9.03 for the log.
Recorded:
3.57
